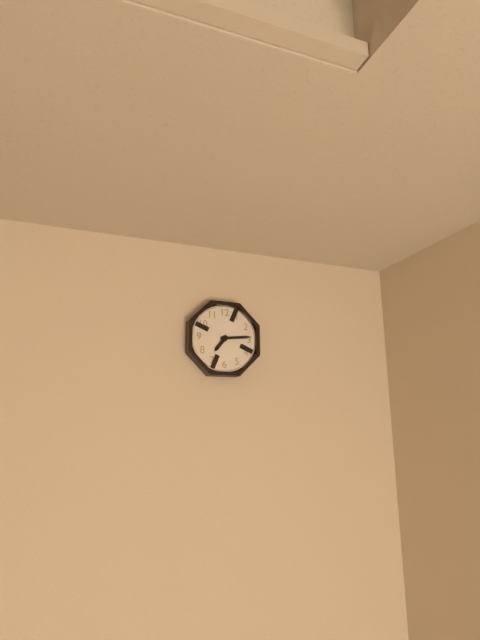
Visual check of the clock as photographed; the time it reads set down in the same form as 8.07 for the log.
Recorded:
7.14
